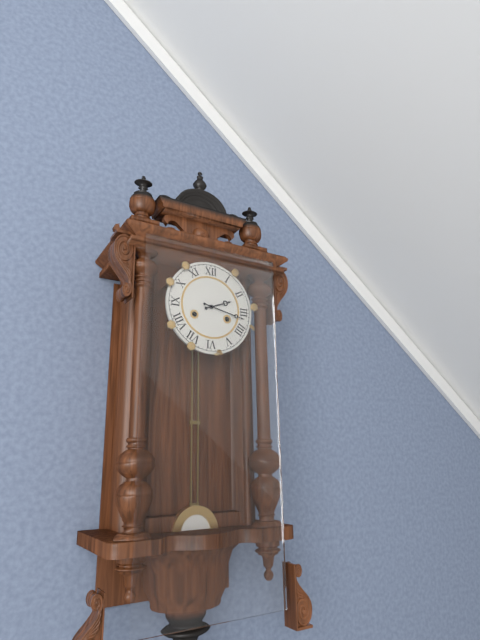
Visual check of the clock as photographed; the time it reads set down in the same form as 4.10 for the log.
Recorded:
2.17
